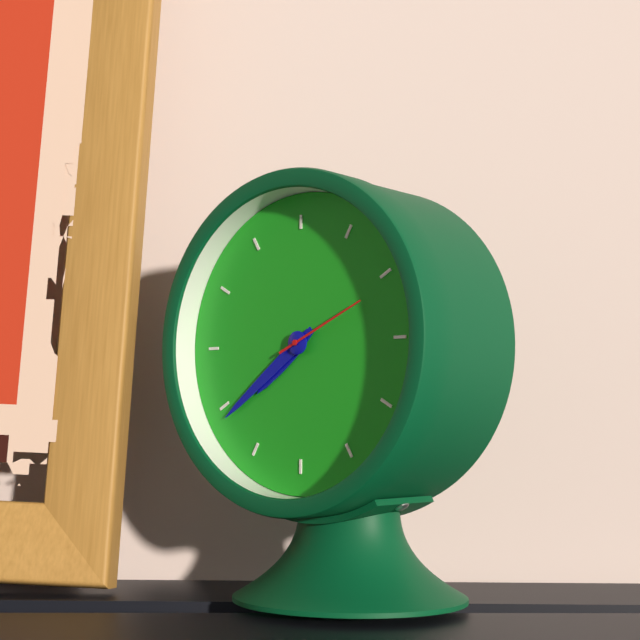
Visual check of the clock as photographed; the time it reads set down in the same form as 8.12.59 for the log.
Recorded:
7.39.11
